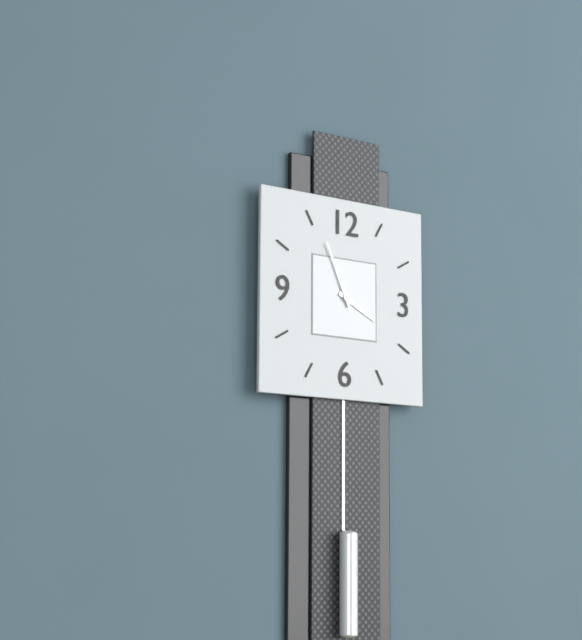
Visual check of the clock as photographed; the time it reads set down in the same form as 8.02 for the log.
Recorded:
3.56
